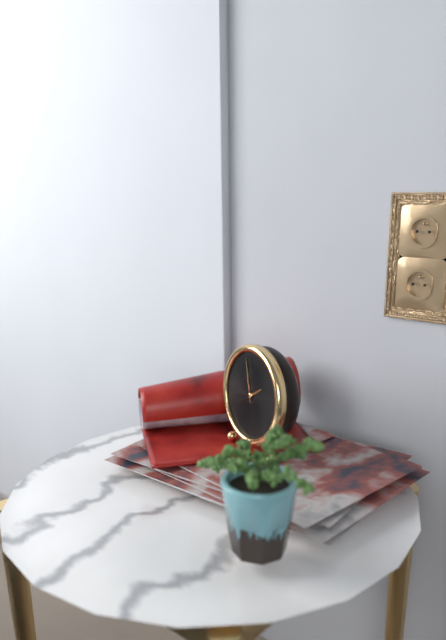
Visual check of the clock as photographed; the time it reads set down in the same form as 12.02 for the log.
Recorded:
1.57
